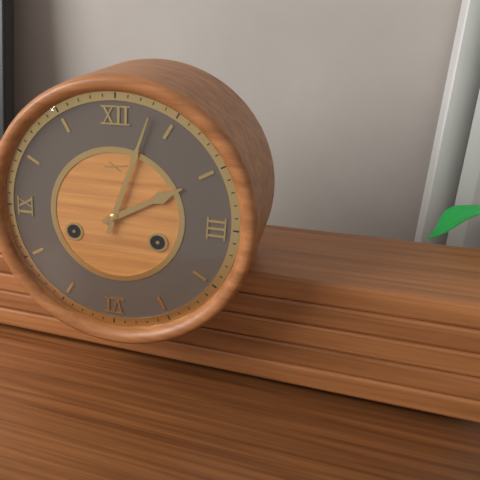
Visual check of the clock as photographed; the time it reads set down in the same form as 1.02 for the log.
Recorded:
2.03
